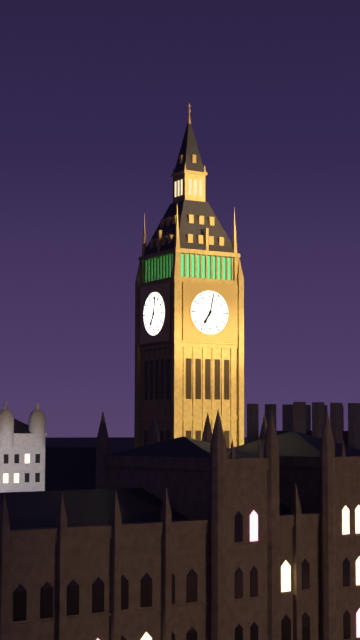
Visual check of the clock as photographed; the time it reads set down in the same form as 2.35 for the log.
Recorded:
7.02
